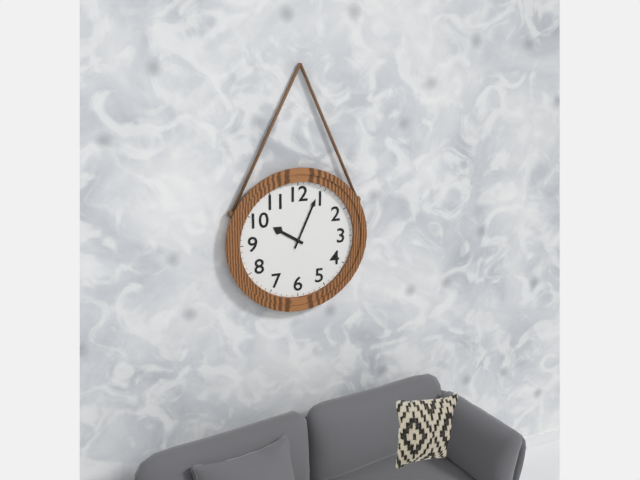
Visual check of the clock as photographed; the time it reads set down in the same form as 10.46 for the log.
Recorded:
10.04
